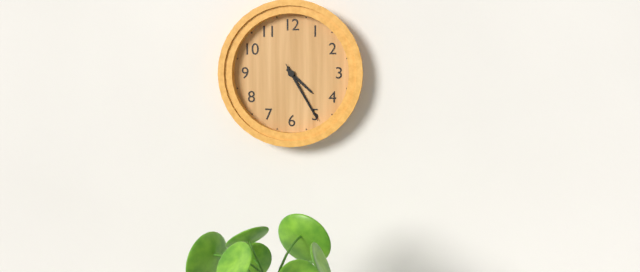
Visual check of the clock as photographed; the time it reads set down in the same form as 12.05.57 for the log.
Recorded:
4.25.25
